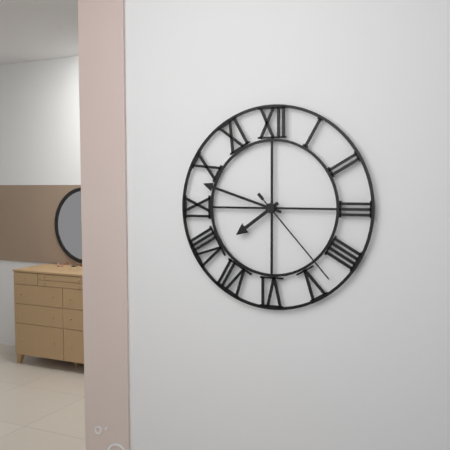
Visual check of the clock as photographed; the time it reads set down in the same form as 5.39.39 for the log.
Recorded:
7.48.23
